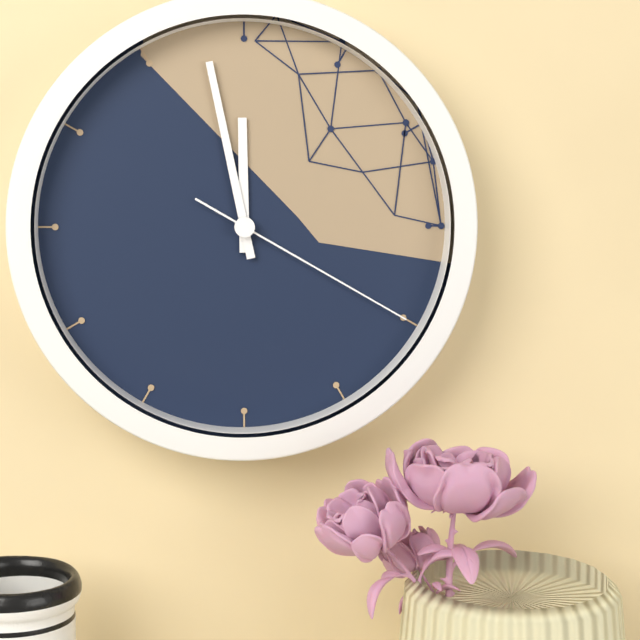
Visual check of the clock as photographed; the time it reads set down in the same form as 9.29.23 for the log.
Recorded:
11.58.20
